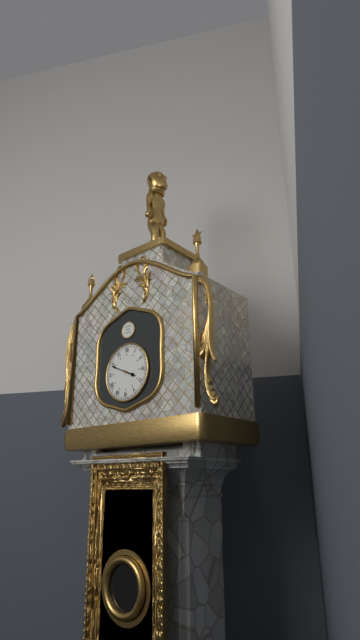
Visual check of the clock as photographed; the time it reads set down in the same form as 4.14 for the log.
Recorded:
3.49
